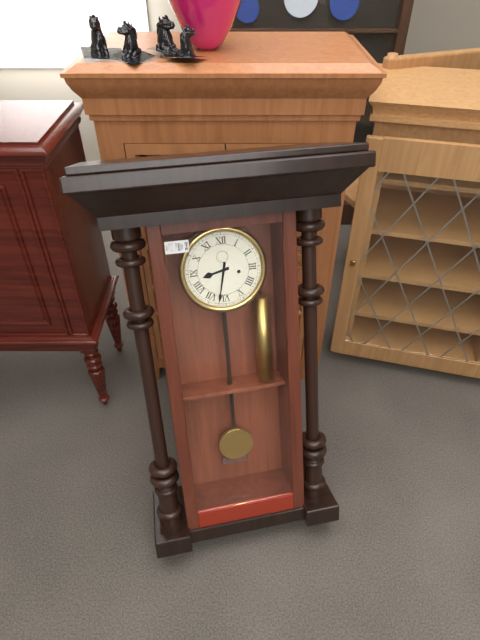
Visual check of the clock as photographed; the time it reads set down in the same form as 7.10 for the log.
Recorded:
8.32
